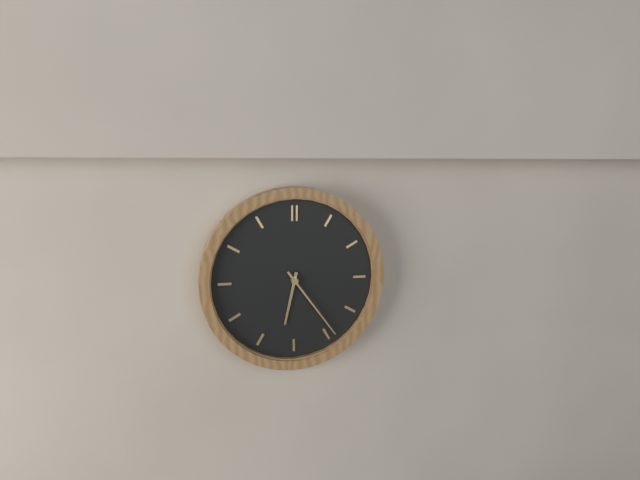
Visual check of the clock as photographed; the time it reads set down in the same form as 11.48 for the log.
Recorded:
6.24
